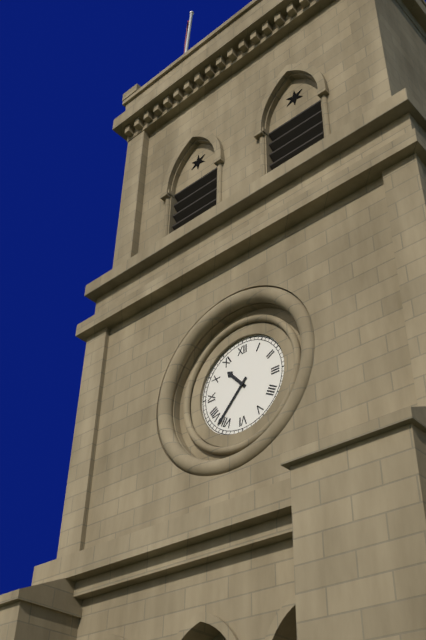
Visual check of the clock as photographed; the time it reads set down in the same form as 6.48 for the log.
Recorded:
10.37
